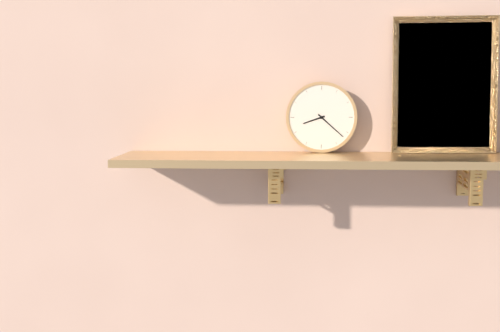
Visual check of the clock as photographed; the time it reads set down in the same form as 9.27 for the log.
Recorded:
8.22
